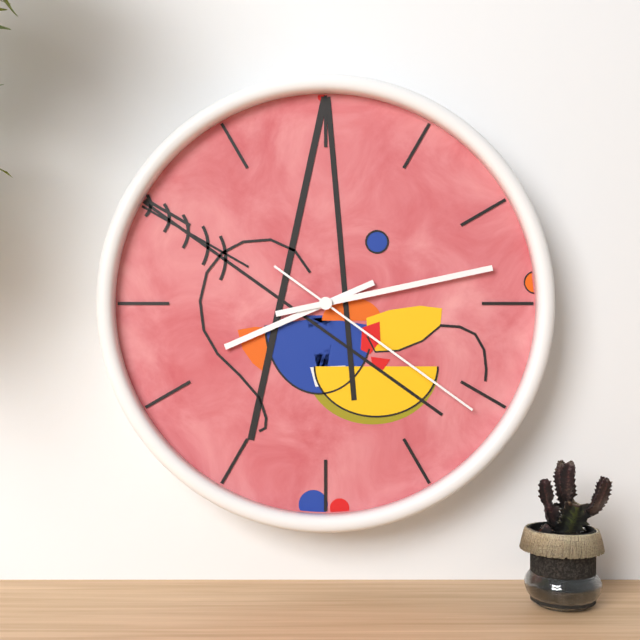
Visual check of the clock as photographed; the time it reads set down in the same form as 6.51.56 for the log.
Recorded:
8.13.21
